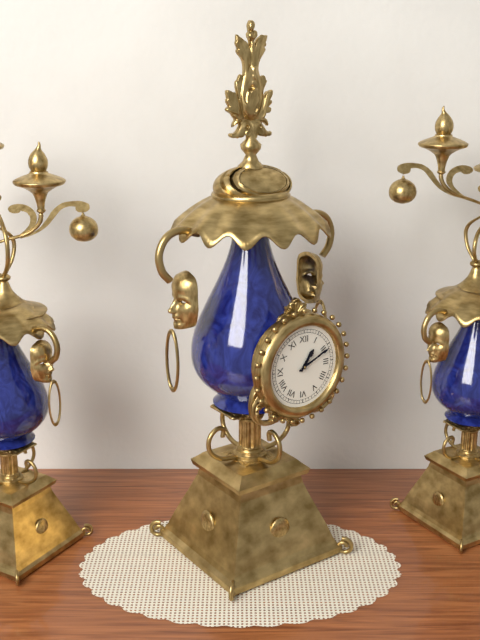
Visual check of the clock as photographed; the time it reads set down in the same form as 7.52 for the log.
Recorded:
1.11
